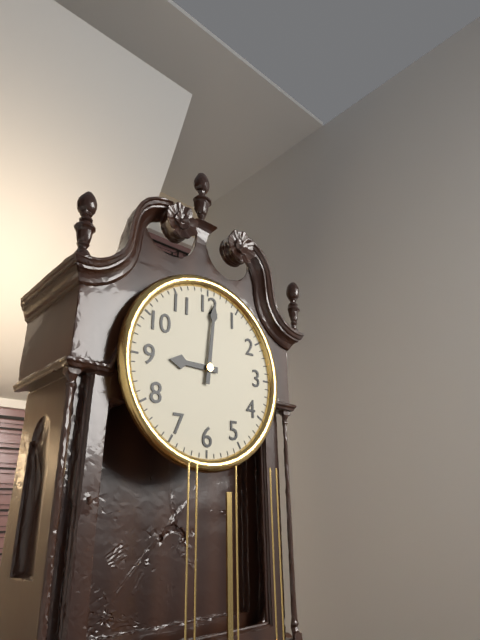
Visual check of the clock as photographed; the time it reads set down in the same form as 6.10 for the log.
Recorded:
9.01
